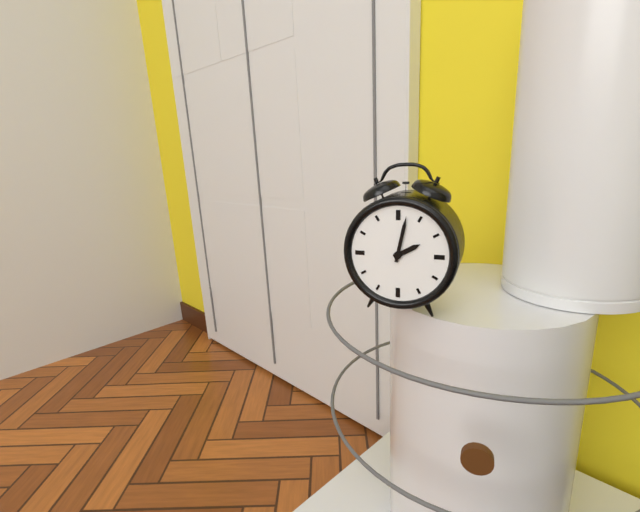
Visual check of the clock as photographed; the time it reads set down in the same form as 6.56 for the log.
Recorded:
2.02
